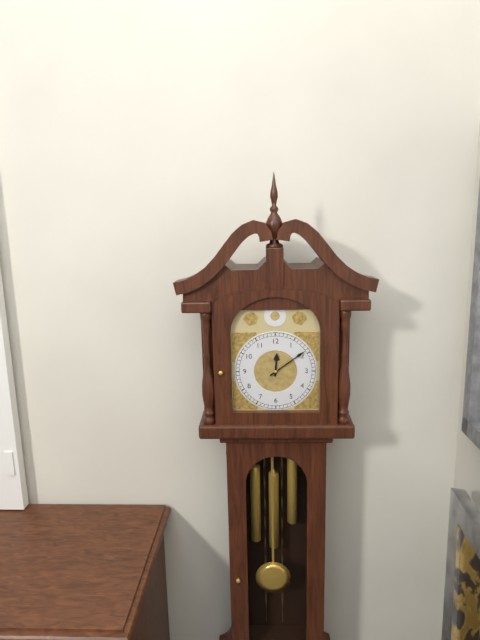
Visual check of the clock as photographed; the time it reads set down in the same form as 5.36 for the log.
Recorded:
12.09
